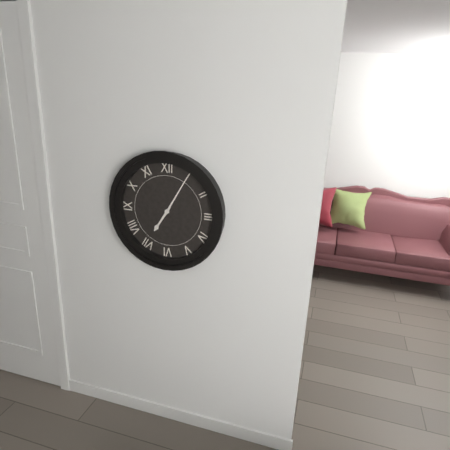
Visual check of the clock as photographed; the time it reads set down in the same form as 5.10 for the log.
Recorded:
7.05
